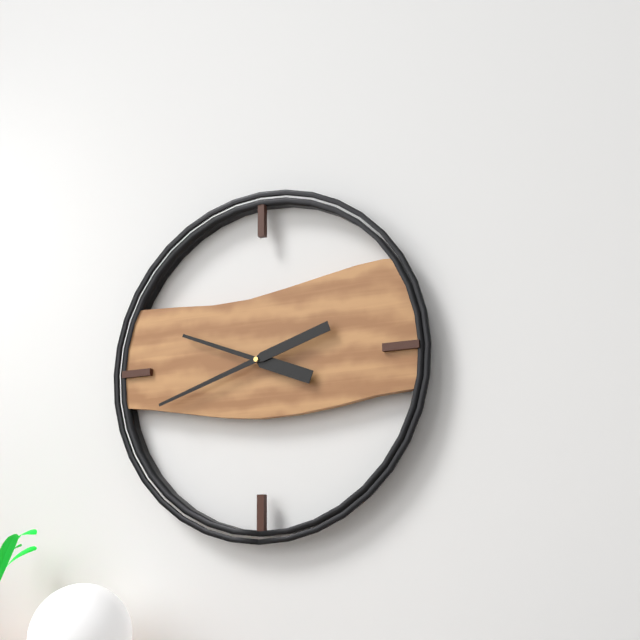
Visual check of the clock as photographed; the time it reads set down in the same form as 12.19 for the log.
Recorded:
9.42
